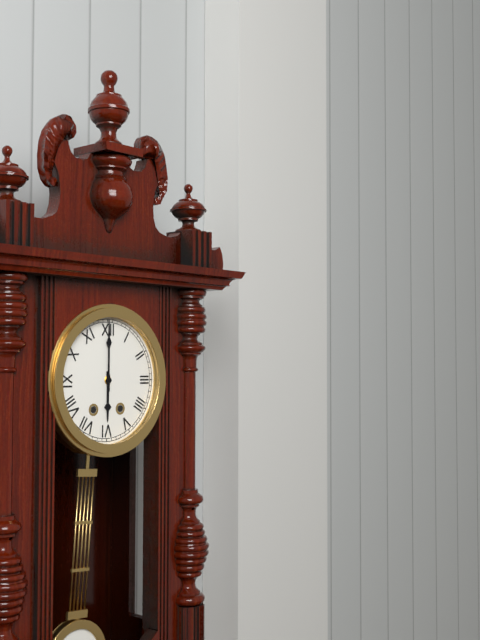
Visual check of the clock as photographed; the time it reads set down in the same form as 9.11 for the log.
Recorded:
6.00
